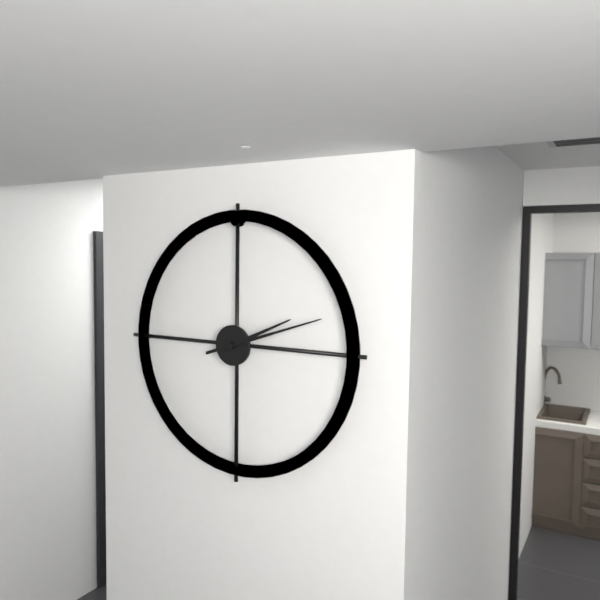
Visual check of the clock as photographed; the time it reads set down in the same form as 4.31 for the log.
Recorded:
2.12
